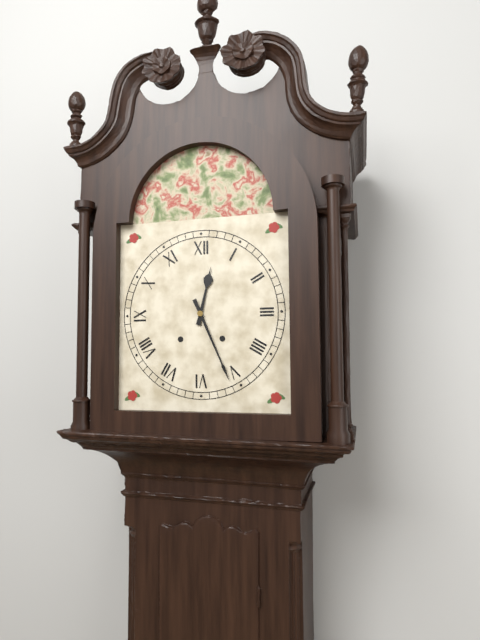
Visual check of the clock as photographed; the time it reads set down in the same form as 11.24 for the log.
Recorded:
12.26
